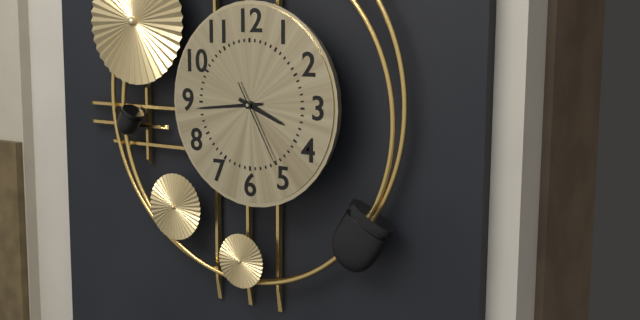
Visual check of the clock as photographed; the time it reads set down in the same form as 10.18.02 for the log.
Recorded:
3.44.25
